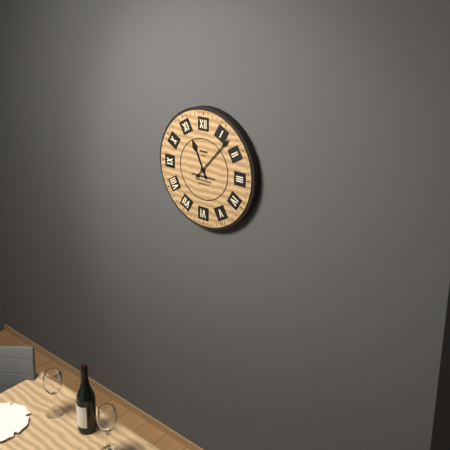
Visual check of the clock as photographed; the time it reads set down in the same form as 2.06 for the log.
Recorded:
11.07
